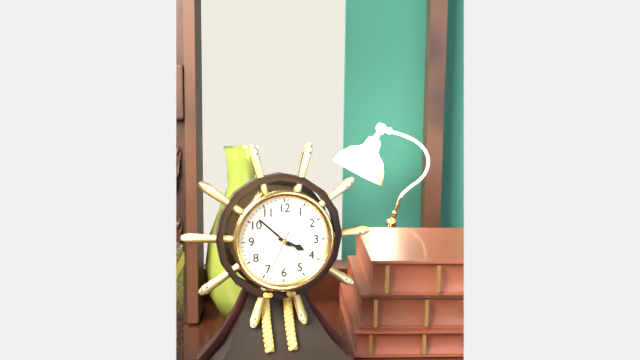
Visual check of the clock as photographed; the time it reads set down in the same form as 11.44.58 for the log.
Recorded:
3.52.34
